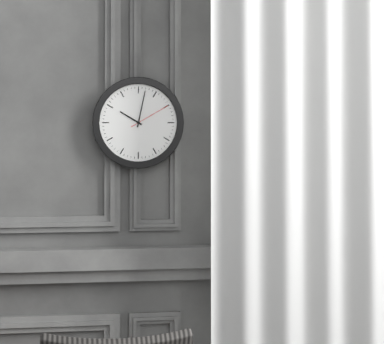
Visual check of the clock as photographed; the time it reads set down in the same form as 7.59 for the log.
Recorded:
10.02
